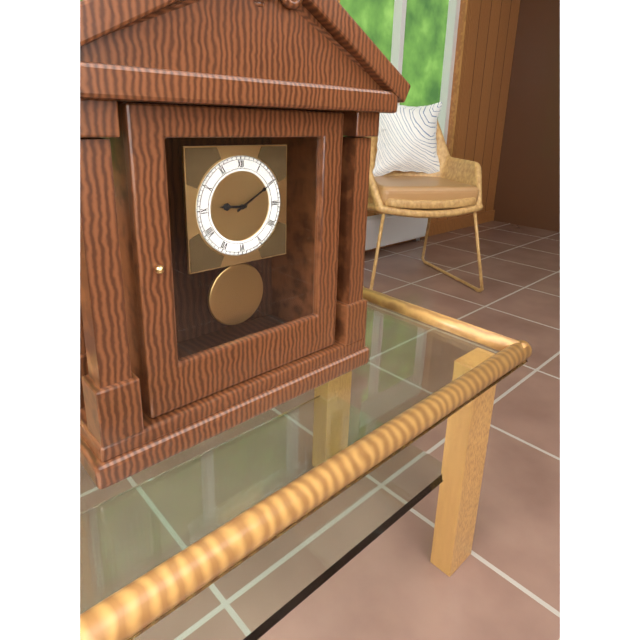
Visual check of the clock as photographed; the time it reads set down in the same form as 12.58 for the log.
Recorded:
9.10
